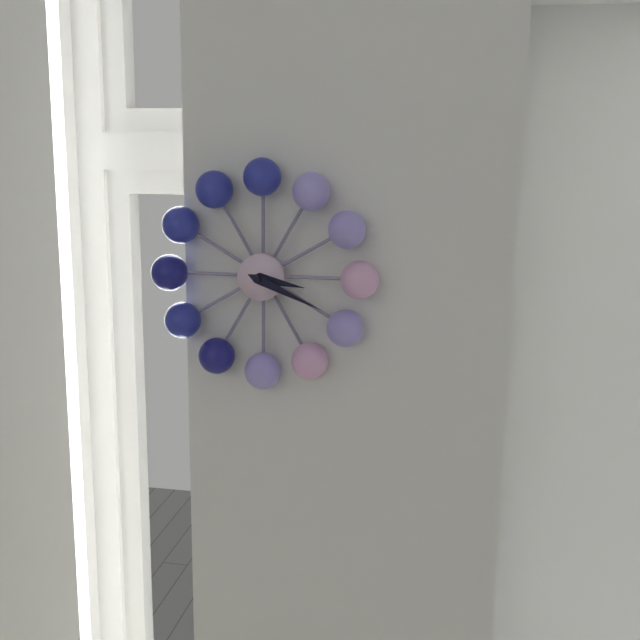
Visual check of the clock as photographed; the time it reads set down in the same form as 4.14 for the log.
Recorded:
3.19
